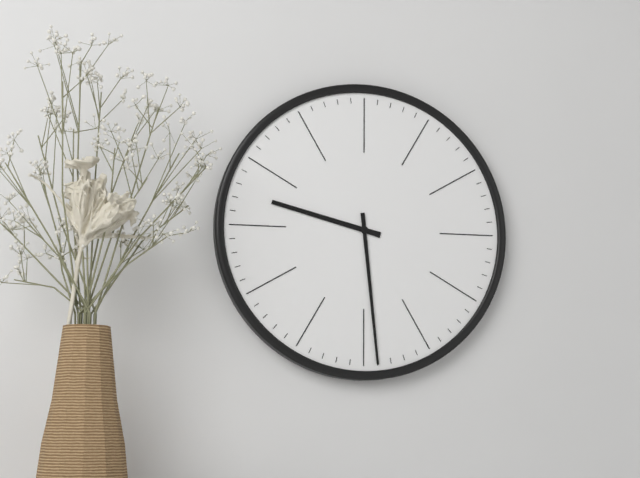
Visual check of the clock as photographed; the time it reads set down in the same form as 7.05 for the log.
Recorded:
9.29
